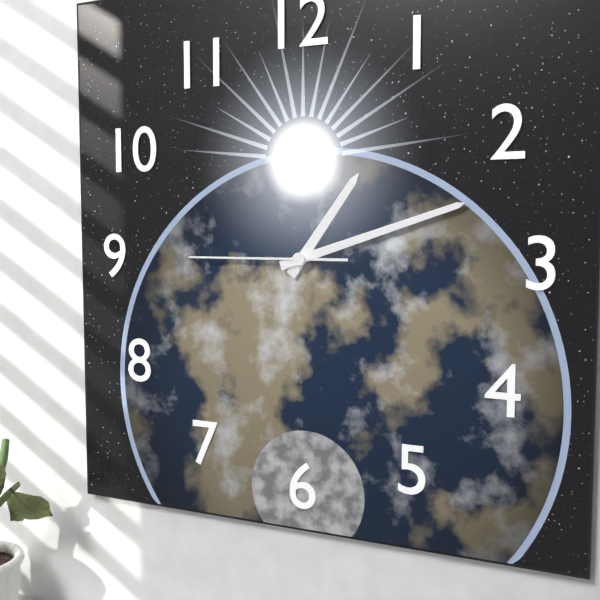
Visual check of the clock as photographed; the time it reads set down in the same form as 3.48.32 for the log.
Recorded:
1.12.45
